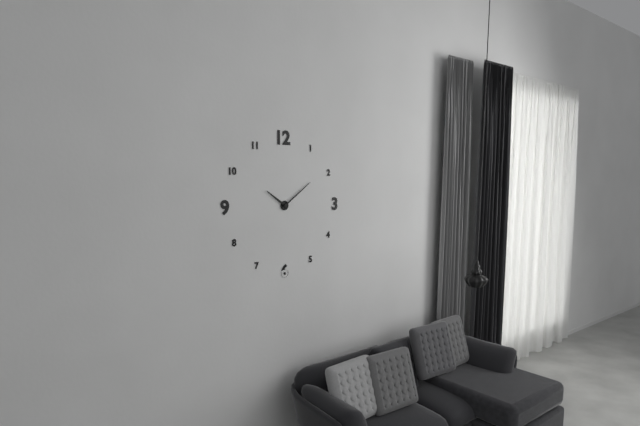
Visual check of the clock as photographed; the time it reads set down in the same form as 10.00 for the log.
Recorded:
10.09
